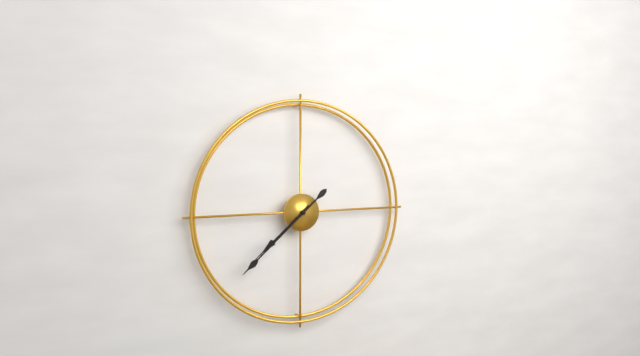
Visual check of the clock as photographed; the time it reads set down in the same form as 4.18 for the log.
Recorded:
7.38
